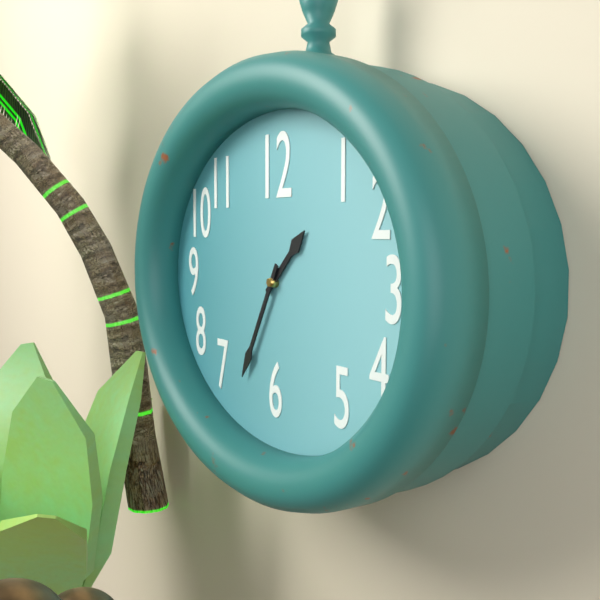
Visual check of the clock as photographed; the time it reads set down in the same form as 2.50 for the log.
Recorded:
1.35
